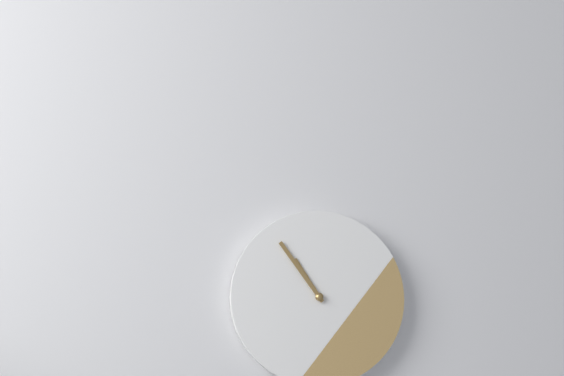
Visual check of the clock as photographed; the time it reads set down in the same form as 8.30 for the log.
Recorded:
10.54
